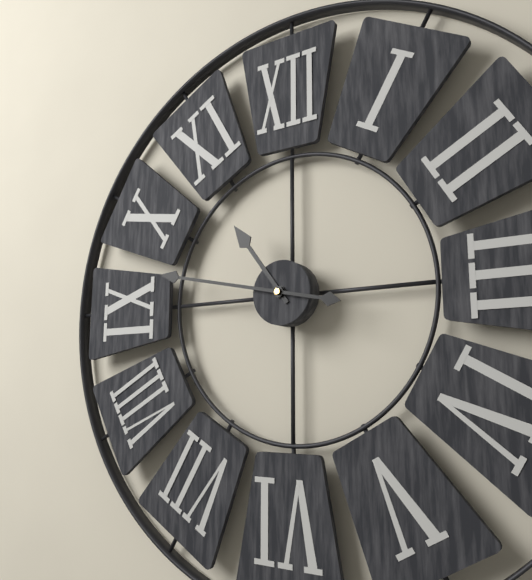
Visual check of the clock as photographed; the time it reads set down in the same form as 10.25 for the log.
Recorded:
10.47
